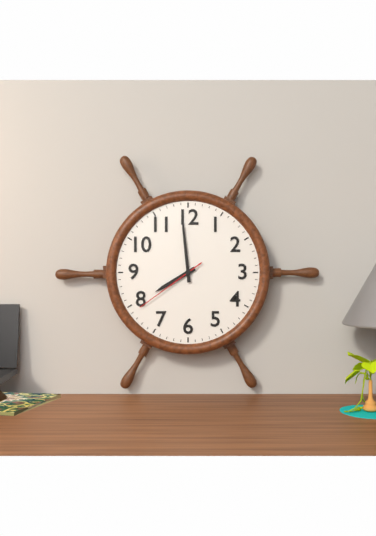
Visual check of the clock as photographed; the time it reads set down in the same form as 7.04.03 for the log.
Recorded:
7.59.39
